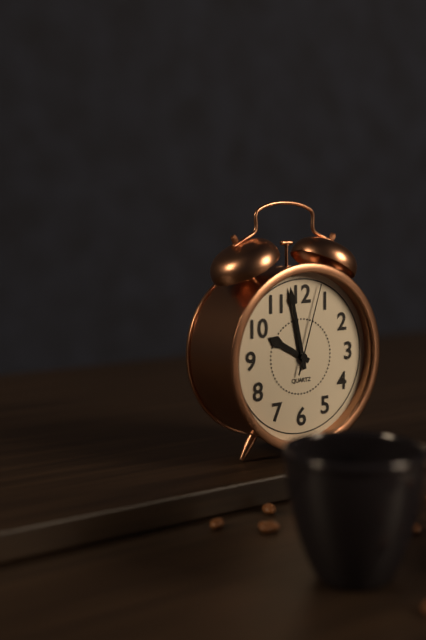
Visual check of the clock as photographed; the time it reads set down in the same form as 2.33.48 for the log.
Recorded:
9.58.03
